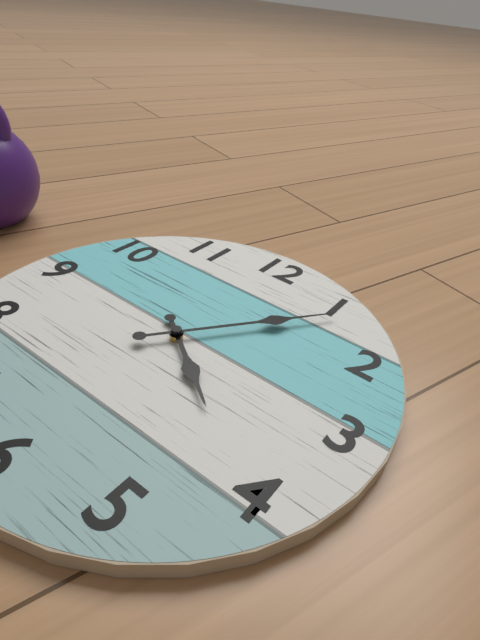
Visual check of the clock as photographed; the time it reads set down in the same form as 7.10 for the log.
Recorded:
4.06
